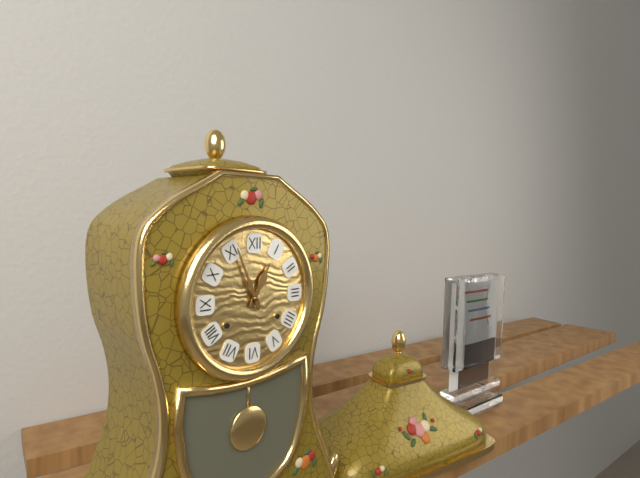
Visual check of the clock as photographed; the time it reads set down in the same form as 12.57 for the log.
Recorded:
12.56
